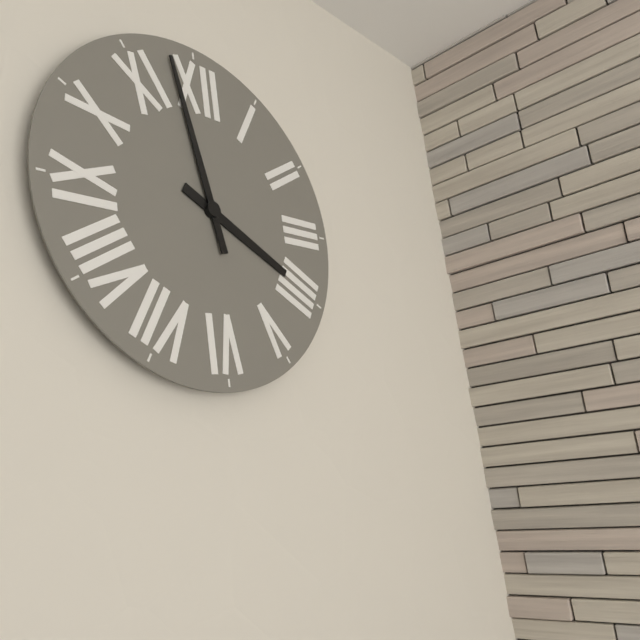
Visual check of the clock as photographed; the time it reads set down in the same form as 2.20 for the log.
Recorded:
3.58
